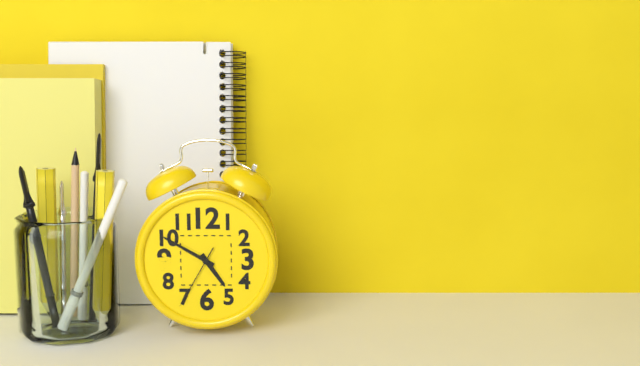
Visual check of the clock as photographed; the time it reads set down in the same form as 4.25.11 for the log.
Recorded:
4.50.35
